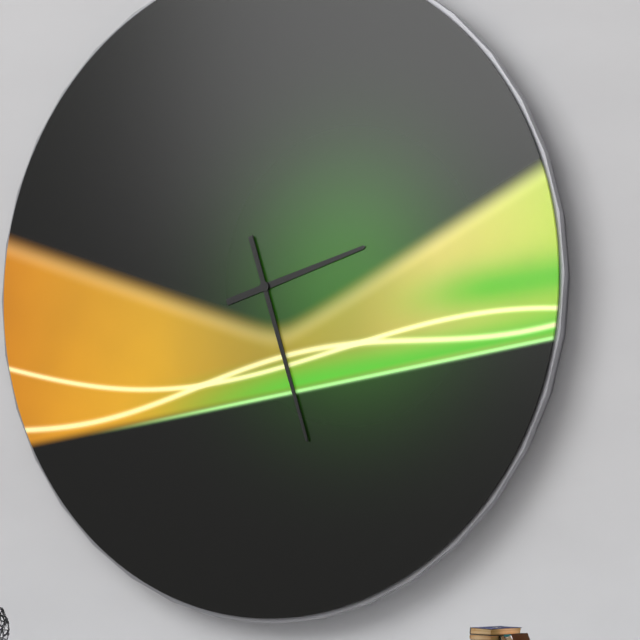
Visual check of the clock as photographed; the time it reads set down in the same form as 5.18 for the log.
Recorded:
2.27
